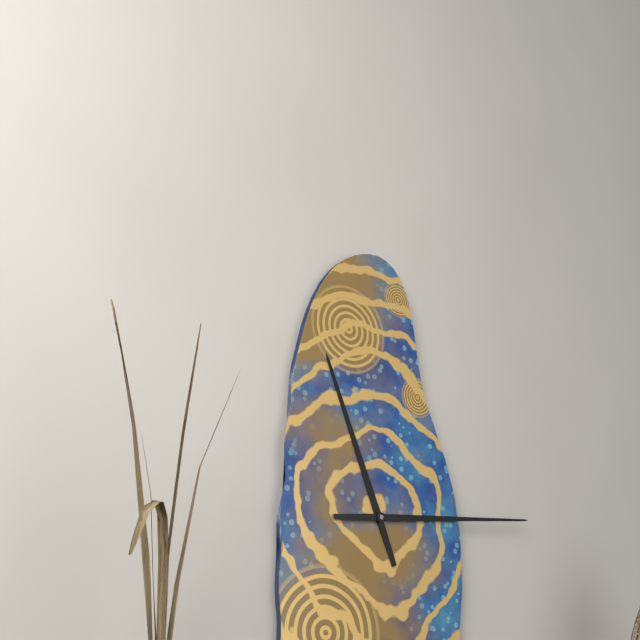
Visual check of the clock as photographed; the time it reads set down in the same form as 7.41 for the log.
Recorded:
11.14
